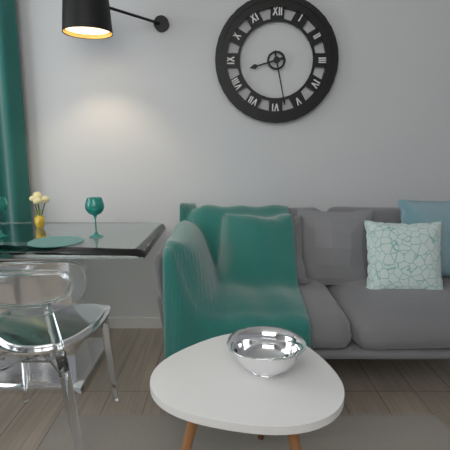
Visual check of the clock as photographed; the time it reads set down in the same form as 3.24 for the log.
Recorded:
8.28
